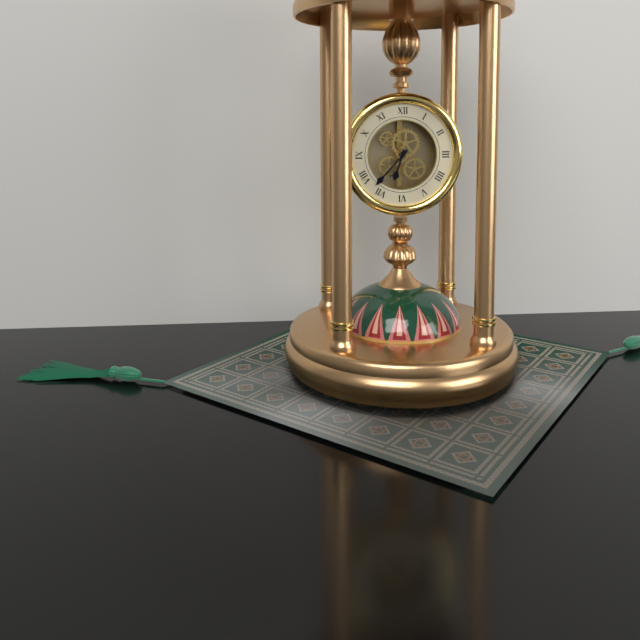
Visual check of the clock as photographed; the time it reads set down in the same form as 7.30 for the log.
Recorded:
6.37
